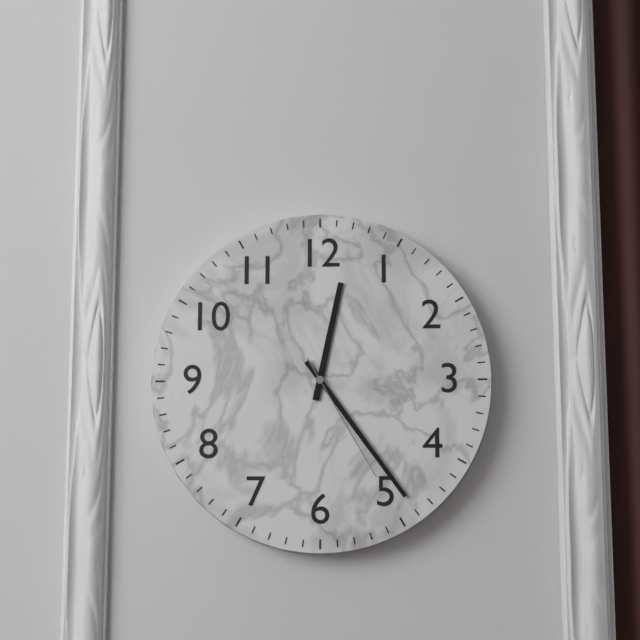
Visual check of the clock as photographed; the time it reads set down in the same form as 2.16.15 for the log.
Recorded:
12.24.25
